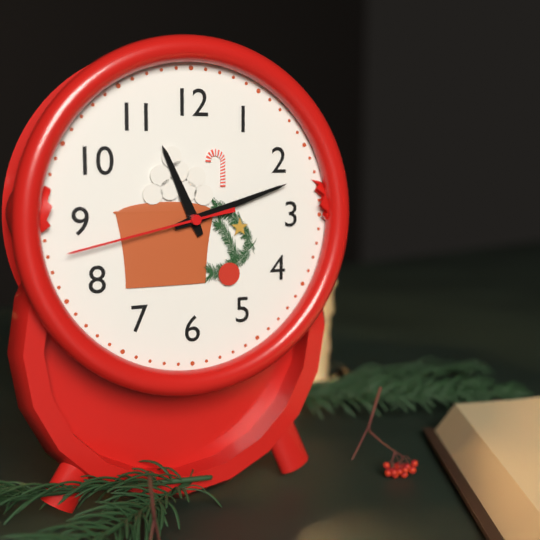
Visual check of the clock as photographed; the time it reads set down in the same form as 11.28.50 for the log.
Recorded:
11.12.43
